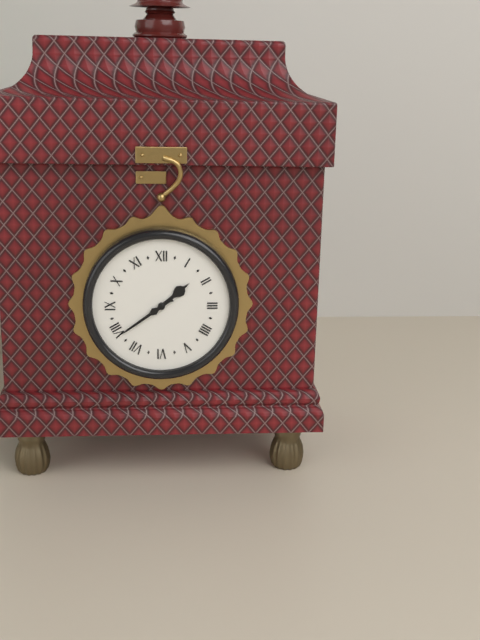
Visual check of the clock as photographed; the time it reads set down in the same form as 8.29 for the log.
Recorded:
1.39
